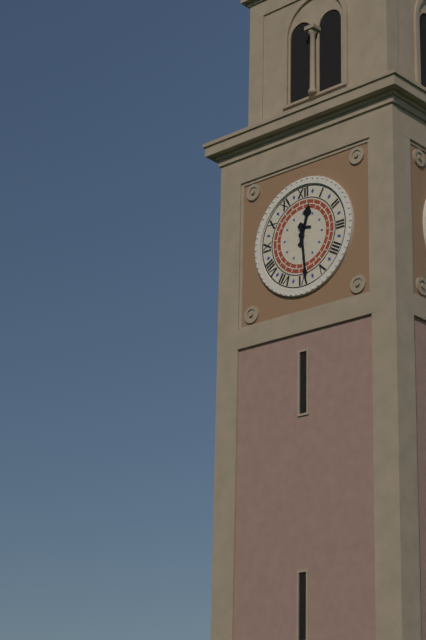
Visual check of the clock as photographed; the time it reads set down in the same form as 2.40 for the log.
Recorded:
12.29
